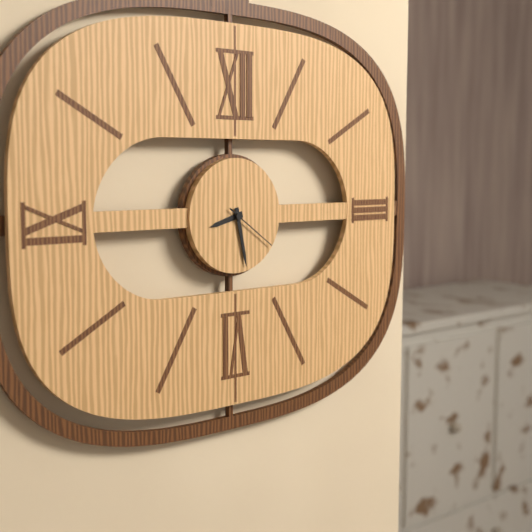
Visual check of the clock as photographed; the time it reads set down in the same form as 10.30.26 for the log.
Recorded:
8.28.21
